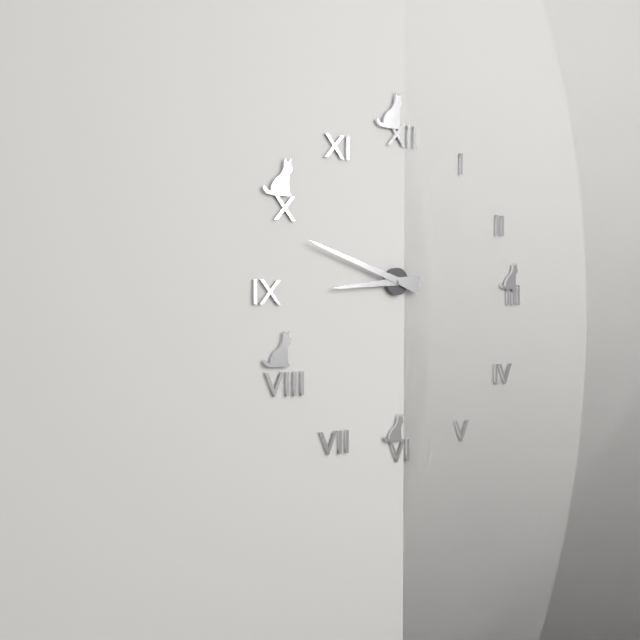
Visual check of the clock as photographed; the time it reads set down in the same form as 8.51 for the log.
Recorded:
8.48
